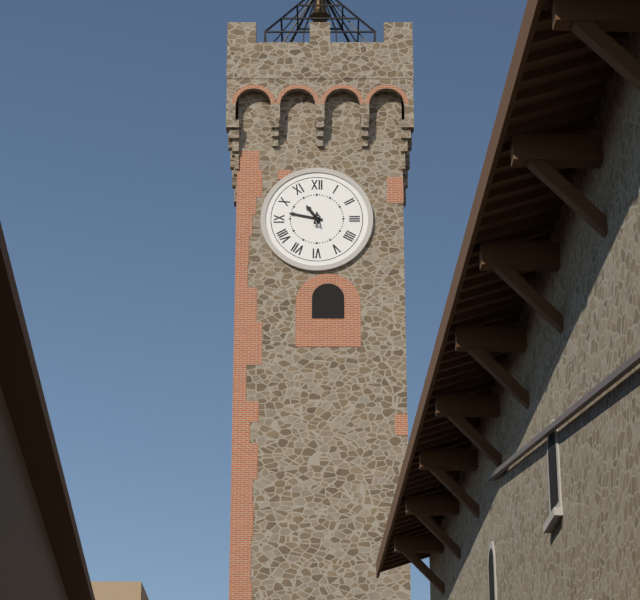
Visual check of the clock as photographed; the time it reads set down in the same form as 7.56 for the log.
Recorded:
10.47
